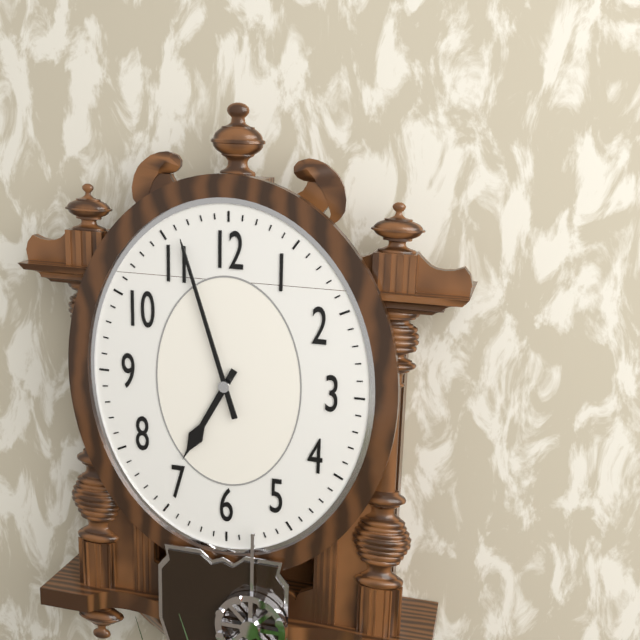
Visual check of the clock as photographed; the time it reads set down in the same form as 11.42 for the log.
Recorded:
6.57
